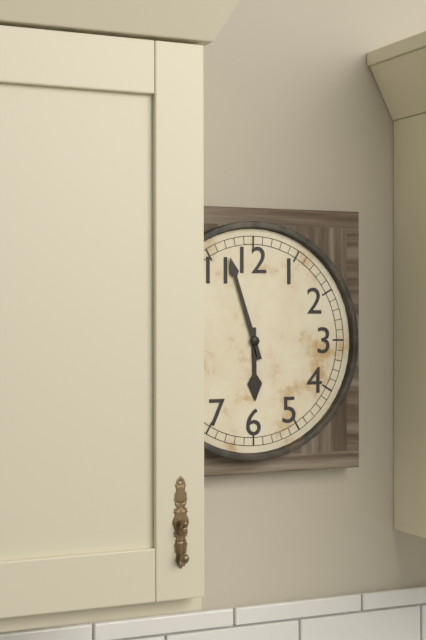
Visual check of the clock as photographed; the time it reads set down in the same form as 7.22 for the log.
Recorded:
5.57
